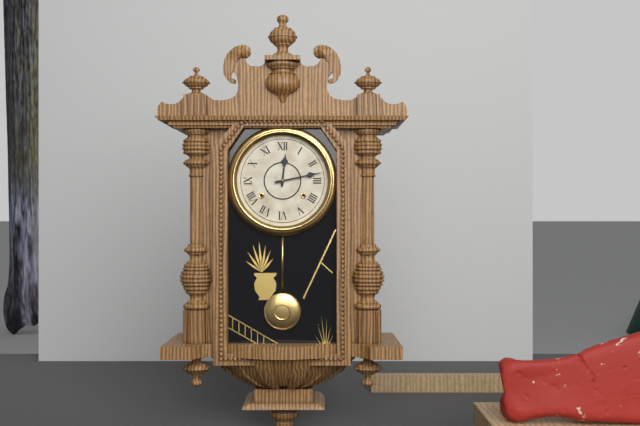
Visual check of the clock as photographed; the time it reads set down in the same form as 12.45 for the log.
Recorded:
12.13
